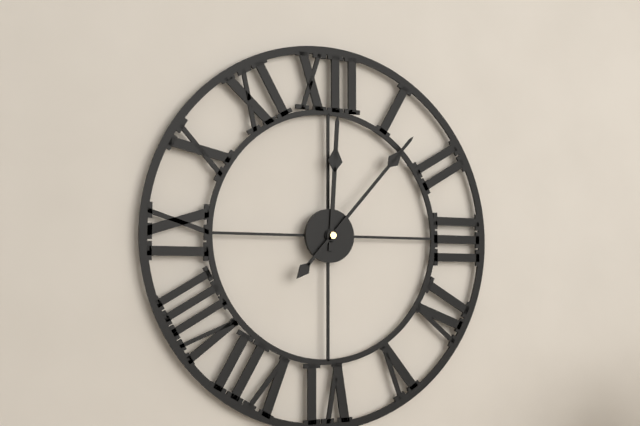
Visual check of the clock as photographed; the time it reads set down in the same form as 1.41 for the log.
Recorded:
12.07
